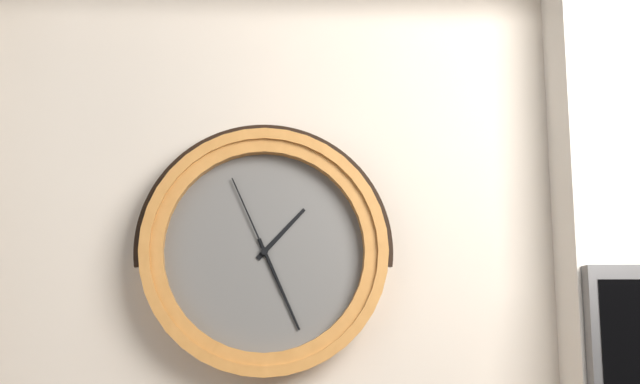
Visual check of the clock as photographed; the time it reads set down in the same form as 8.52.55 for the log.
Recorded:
1.26.56
